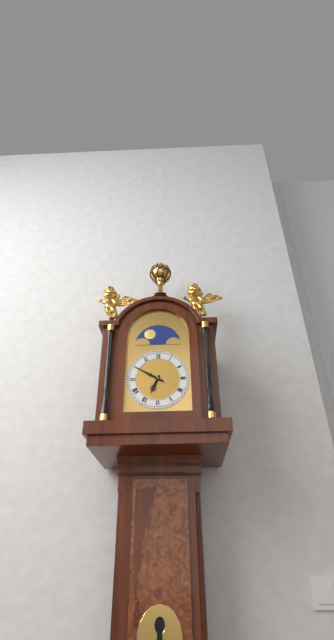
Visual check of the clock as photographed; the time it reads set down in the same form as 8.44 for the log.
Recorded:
6.50
